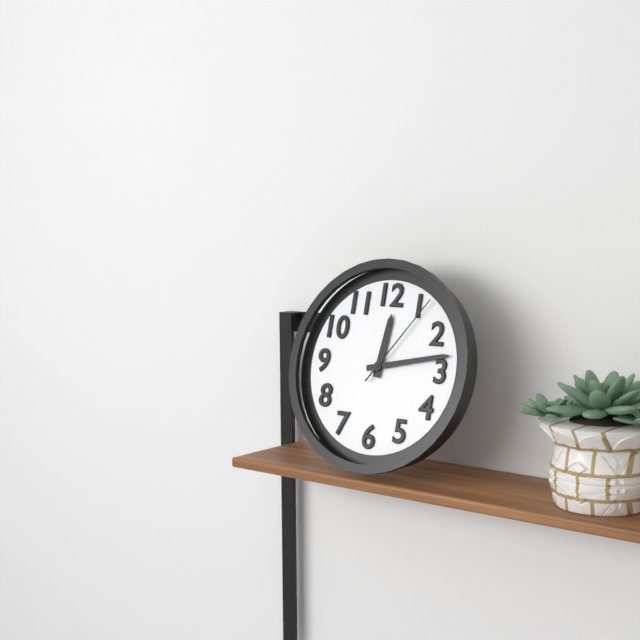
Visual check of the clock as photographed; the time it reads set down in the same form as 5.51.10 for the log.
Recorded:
12.13.06
